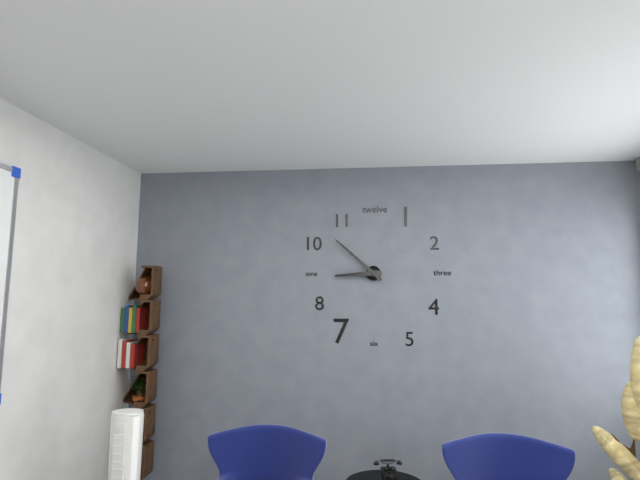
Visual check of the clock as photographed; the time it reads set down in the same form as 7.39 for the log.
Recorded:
8.52
